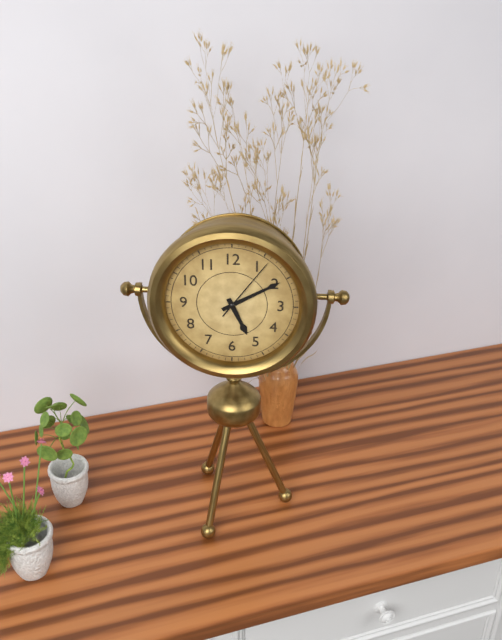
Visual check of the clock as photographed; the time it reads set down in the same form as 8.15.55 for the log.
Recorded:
5.10.06
